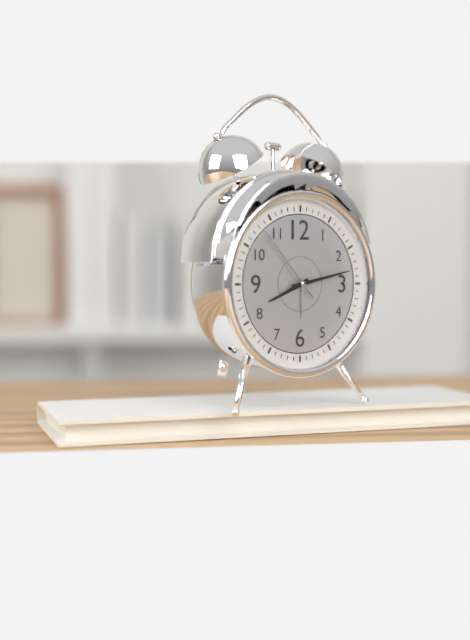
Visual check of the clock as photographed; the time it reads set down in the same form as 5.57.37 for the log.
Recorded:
8.13.53
